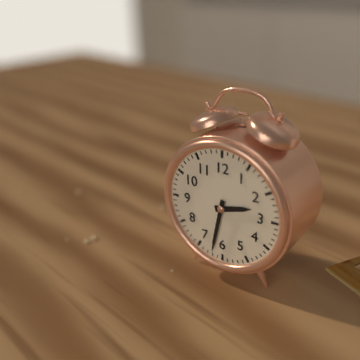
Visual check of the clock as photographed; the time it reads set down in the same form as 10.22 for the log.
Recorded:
2.32
